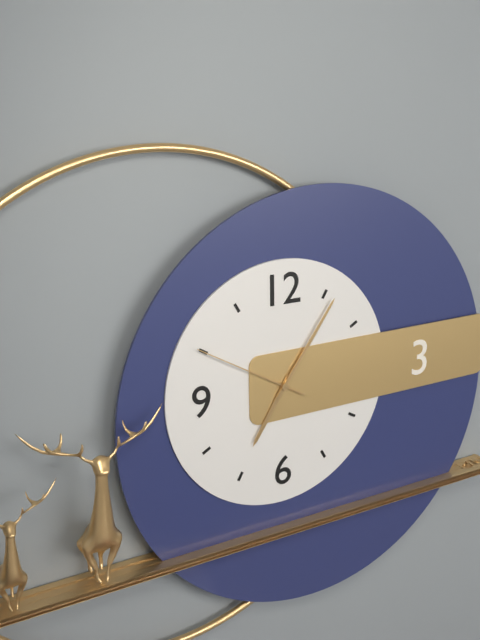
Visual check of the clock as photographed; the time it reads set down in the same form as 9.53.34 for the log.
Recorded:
7.06.50
